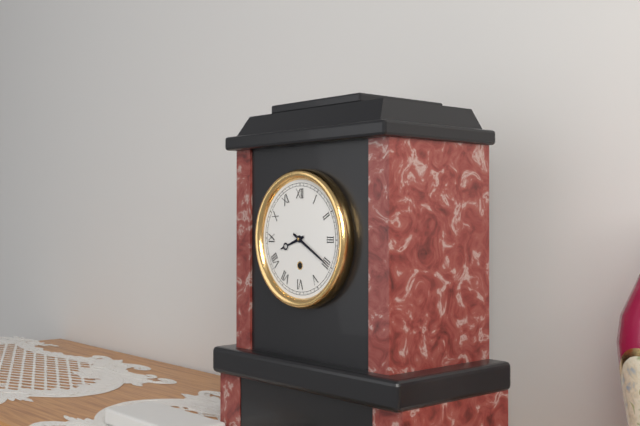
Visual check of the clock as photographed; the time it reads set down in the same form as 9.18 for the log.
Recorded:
8.20
